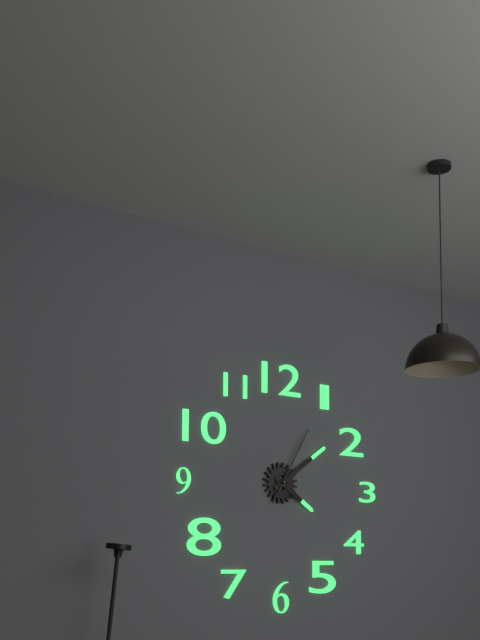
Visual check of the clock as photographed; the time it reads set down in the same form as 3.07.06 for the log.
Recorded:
4.09.05
